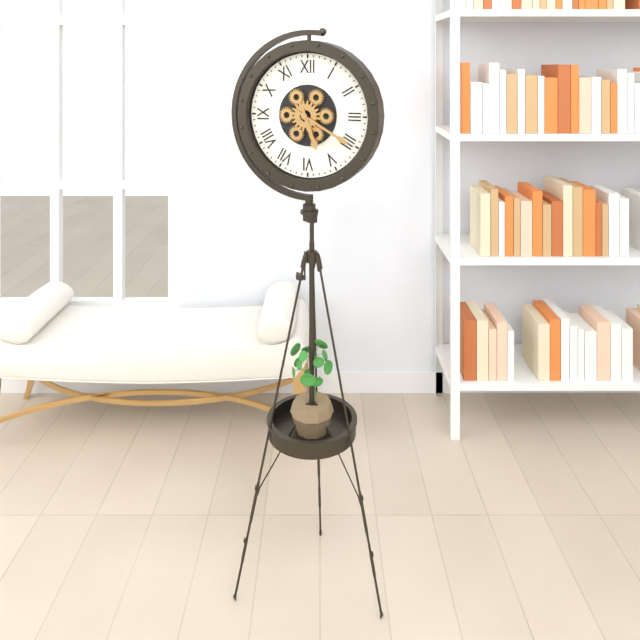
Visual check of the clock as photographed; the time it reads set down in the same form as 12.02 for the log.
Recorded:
5.20
